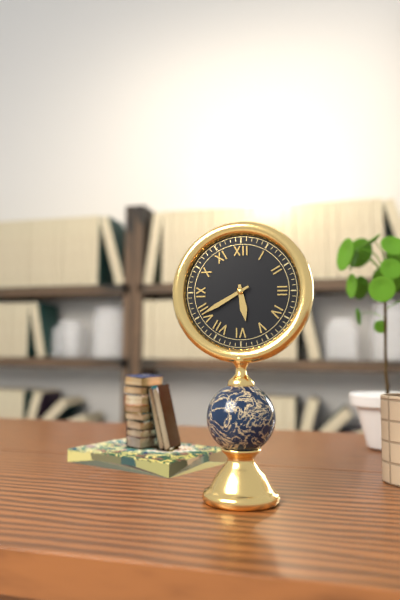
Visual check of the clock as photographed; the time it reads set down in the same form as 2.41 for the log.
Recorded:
5.40
